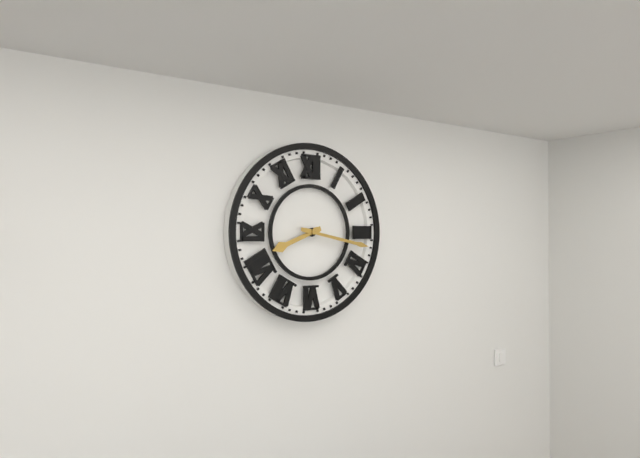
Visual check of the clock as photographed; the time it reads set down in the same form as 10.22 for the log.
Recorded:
8.17
